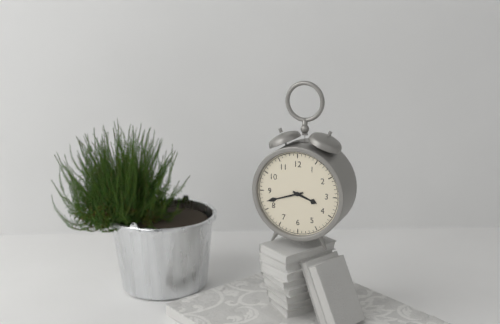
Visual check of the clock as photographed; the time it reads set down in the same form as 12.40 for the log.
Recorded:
3.42
